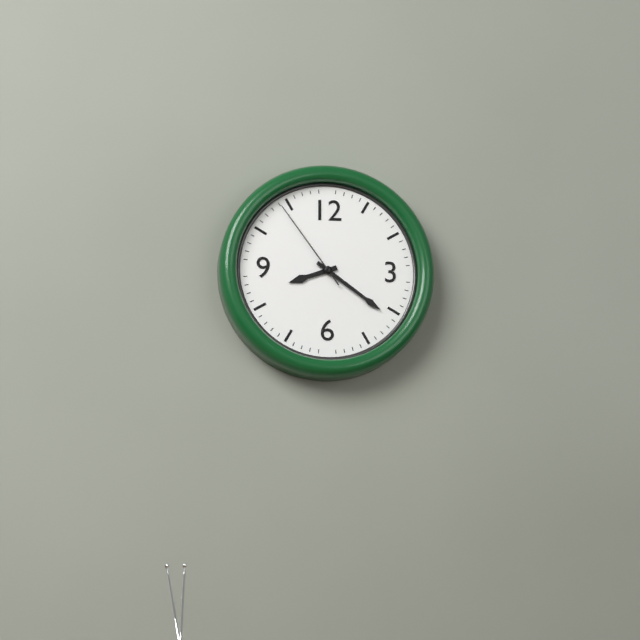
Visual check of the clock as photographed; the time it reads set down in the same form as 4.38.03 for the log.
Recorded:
8.21.54
